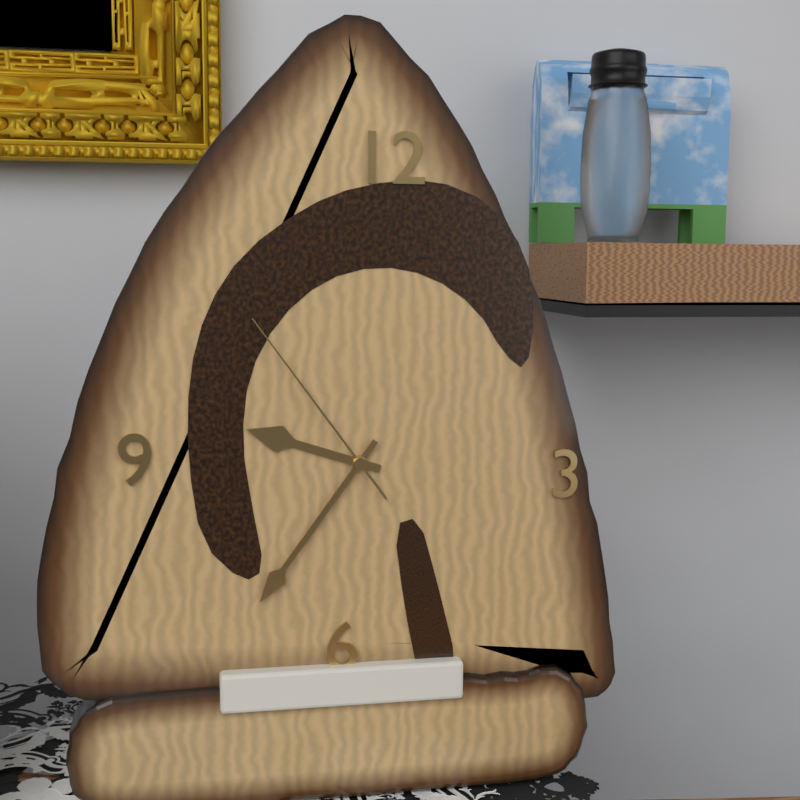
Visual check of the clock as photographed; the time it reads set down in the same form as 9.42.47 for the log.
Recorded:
9.36.54
